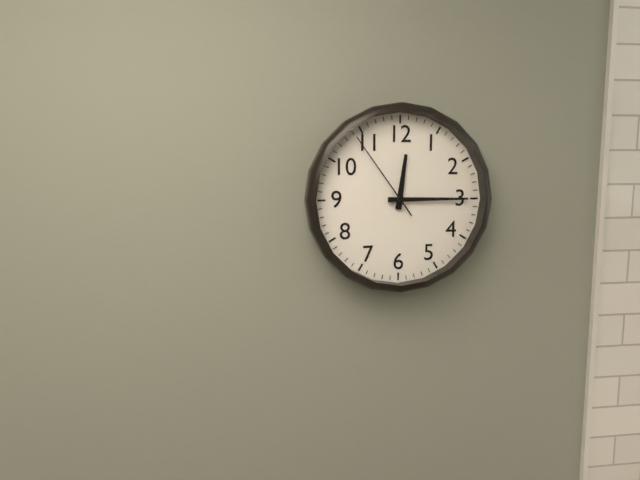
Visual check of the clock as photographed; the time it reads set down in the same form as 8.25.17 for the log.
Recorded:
12.15.54
